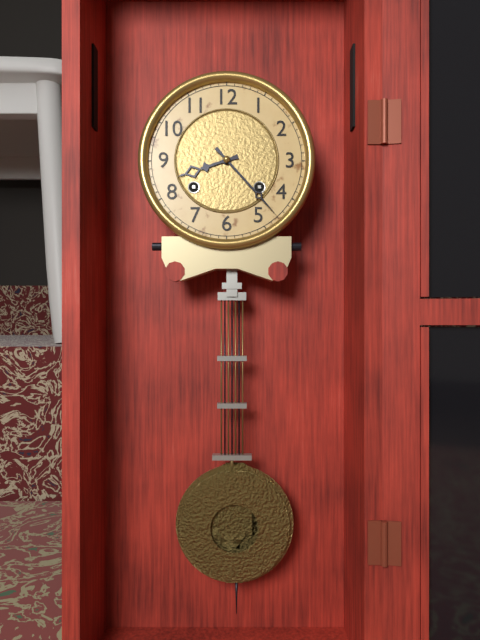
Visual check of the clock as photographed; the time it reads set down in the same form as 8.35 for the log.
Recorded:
8.23
